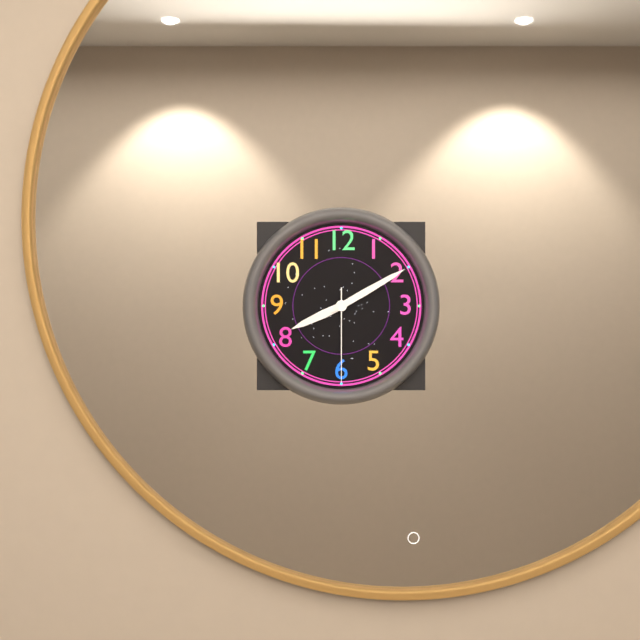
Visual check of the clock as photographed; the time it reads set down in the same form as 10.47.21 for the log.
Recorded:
8.10.30
